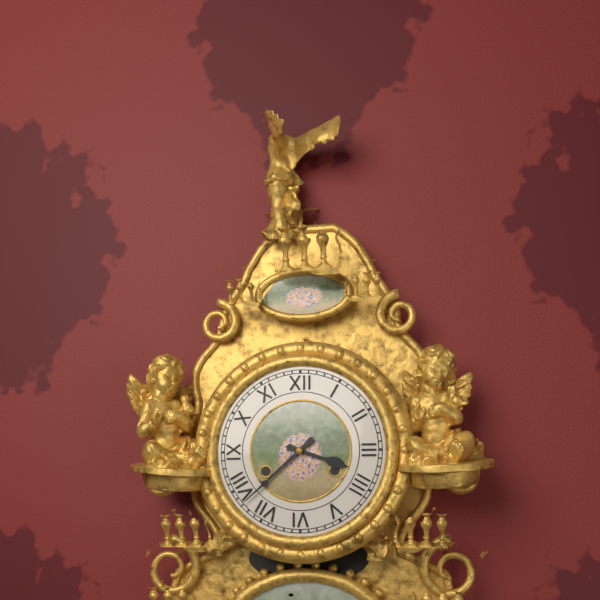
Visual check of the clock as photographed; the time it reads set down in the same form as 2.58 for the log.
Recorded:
3.38
